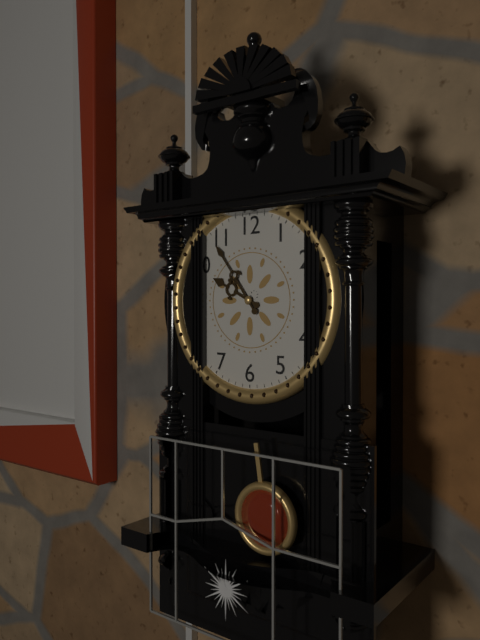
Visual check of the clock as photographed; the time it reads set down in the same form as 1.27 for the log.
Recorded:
9.54
